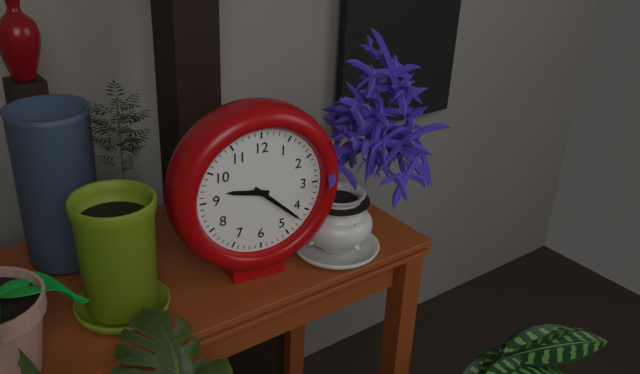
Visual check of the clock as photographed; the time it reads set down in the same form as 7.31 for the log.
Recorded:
9.22
